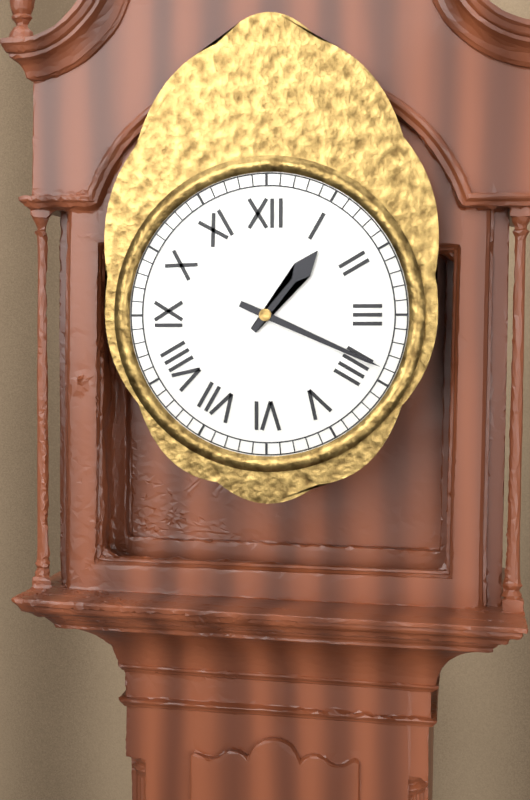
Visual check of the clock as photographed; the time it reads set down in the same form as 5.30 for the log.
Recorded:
1.19
